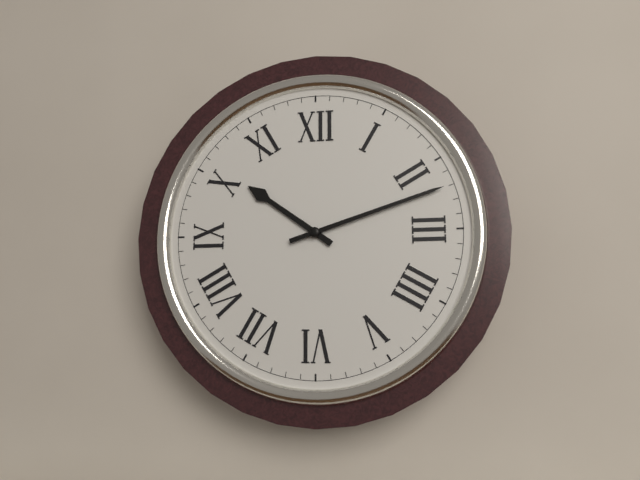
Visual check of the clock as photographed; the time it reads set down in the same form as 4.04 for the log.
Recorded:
10.12
